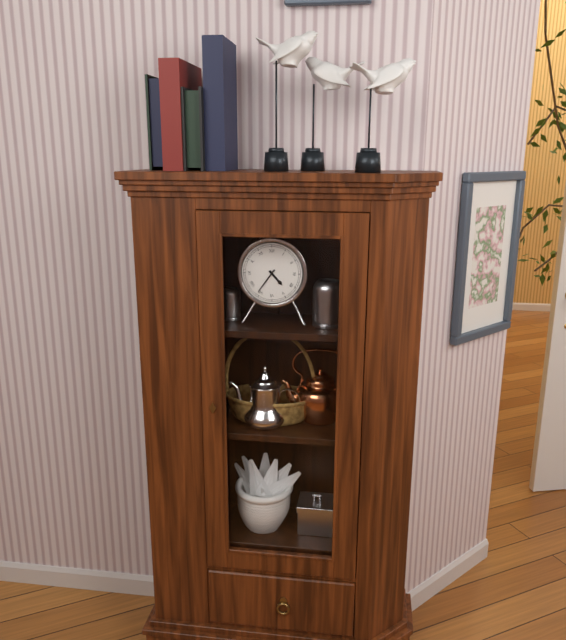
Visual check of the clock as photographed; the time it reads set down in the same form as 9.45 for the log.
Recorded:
4.36
